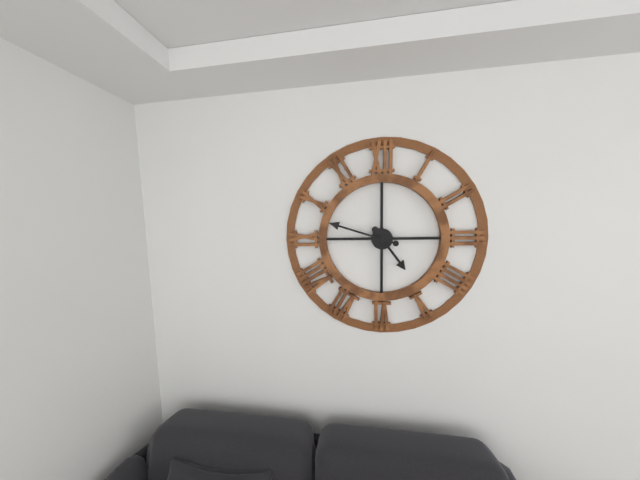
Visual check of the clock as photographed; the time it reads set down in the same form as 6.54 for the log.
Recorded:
4.48
